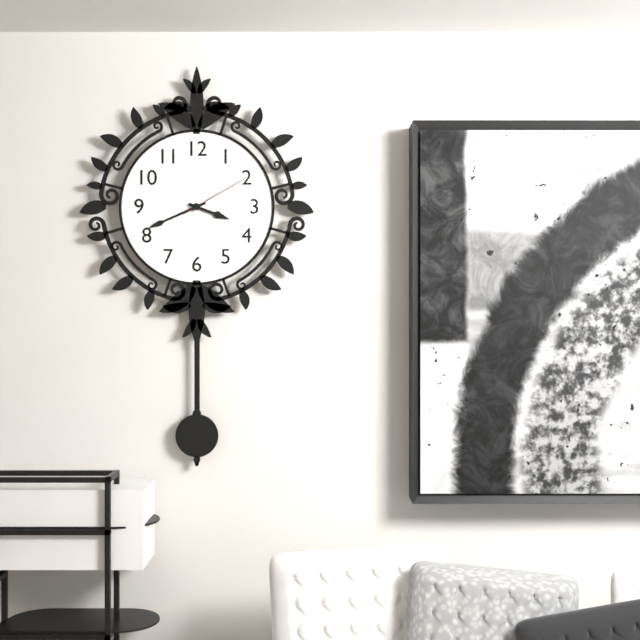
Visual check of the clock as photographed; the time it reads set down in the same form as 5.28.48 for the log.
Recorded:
3.41.10
